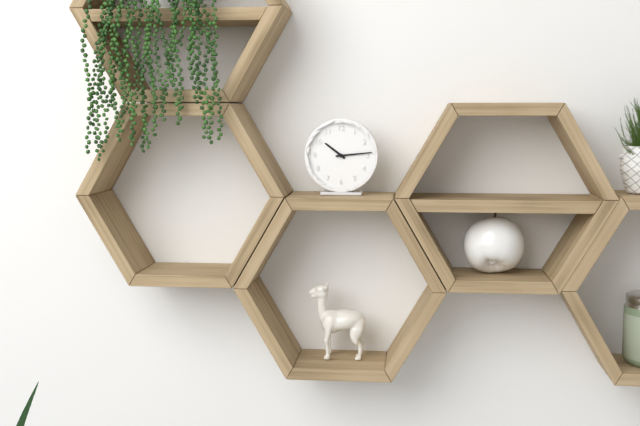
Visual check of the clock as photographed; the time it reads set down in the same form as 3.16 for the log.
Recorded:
10.14
